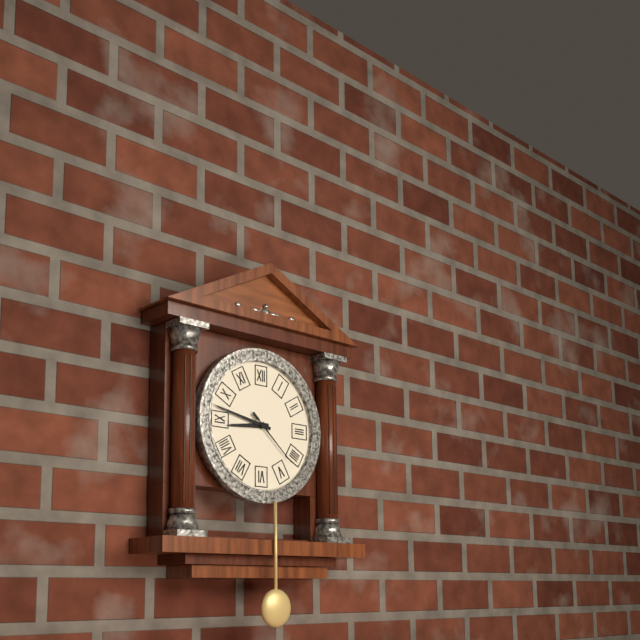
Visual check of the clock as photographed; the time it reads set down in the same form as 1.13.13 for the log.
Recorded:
8.47.22
